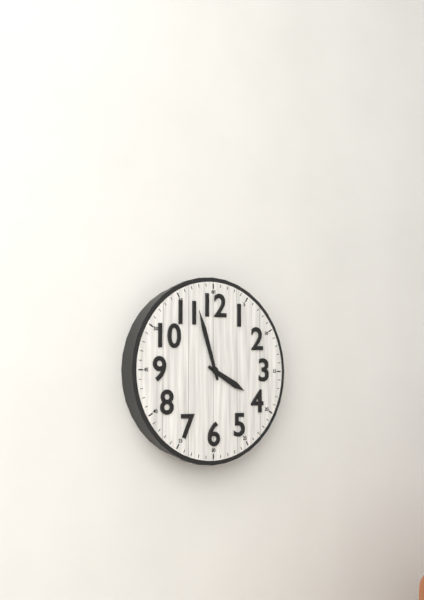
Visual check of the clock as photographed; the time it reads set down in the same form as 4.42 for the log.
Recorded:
3.57
